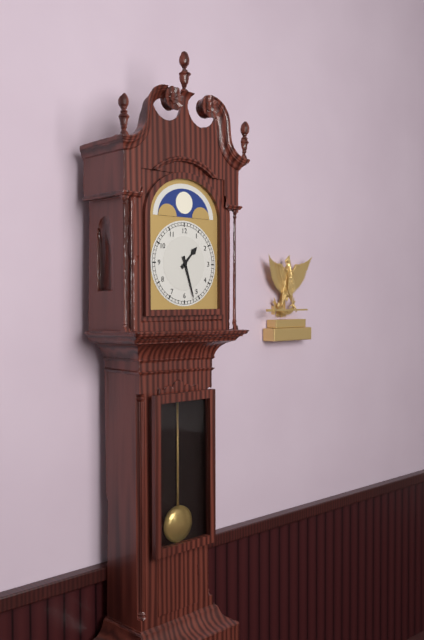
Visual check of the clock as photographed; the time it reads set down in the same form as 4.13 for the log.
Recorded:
1.27
